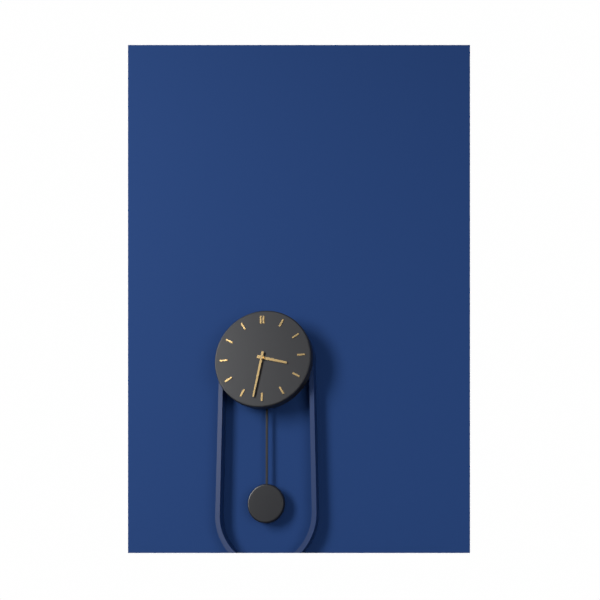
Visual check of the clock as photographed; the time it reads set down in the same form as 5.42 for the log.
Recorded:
3.32
